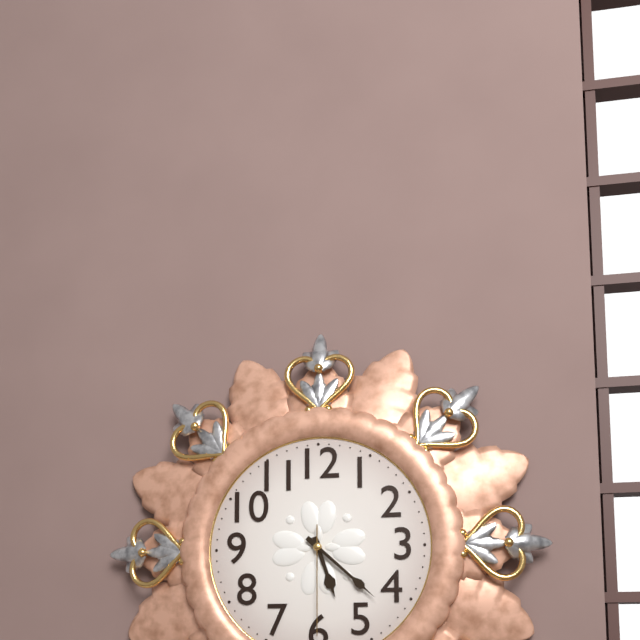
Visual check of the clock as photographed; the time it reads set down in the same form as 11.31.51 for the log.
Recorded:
5.22.30
